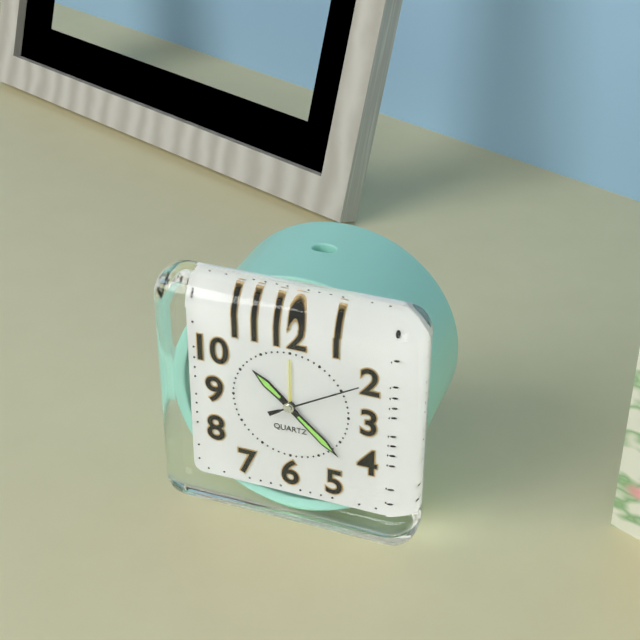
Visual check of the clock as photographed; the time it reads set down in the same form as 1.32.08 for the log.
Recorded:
10.22.10
